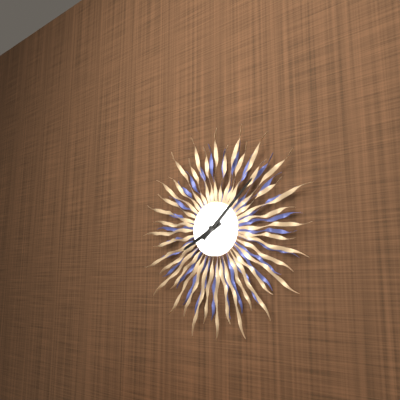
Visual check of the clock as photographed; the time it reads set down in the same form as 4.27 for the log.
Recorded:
8.08
